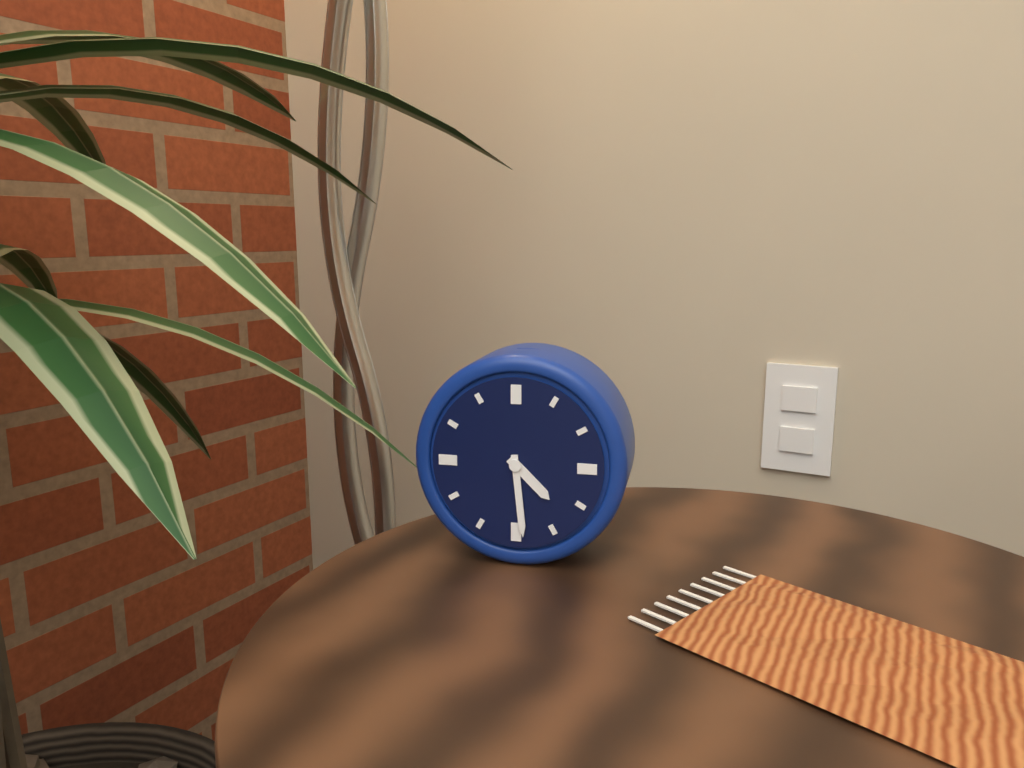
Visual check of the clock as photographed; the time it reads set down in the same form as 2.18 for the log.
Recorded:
4.29
